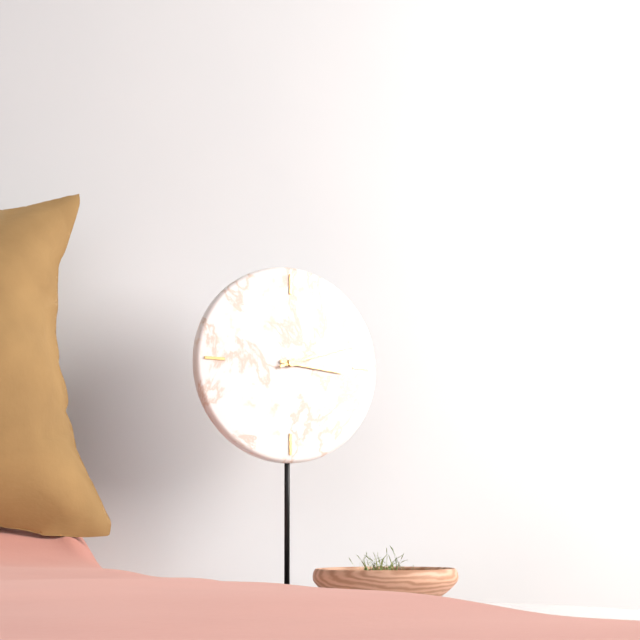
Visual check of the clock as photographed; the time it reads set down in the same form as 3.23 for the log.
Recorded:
3.12
